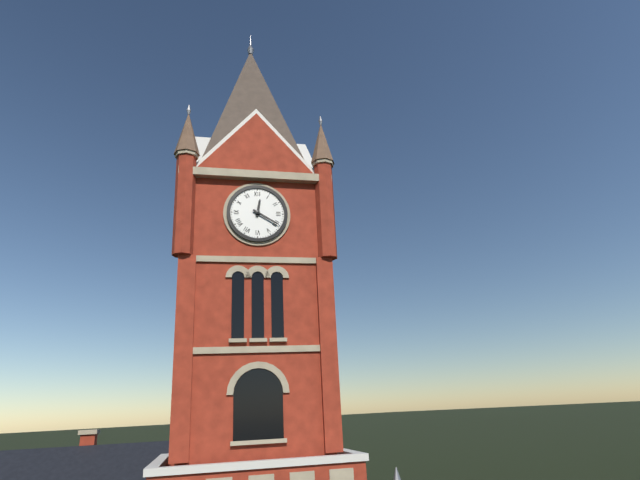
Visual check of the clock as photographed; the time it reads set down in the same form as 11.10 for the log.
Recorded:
12.20
